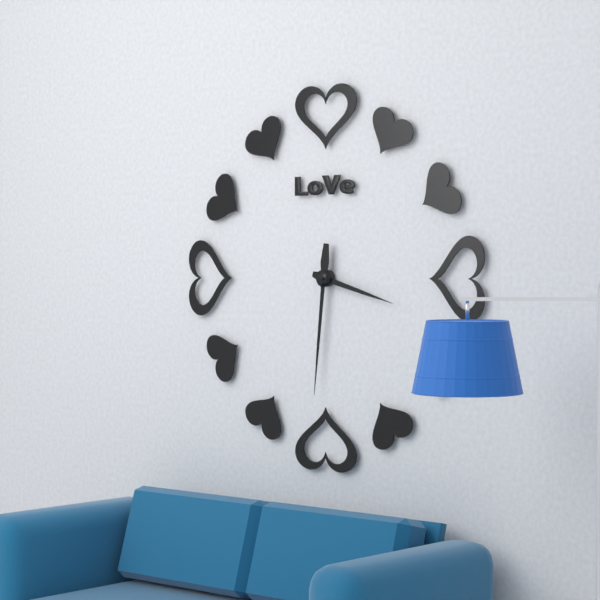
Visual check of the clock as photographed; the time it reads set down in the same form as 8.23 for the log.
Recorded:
3.31
